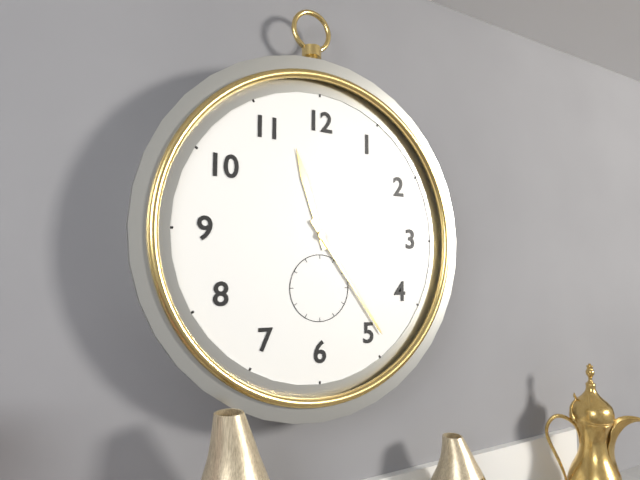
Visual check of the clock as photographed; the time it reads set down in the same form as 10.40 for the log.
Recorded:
11.24
